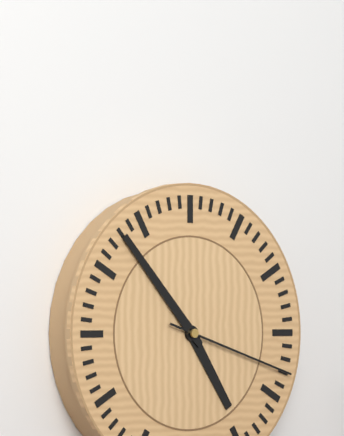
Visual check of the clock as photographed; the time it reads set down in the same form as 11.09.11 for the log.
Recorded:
4.53.18
